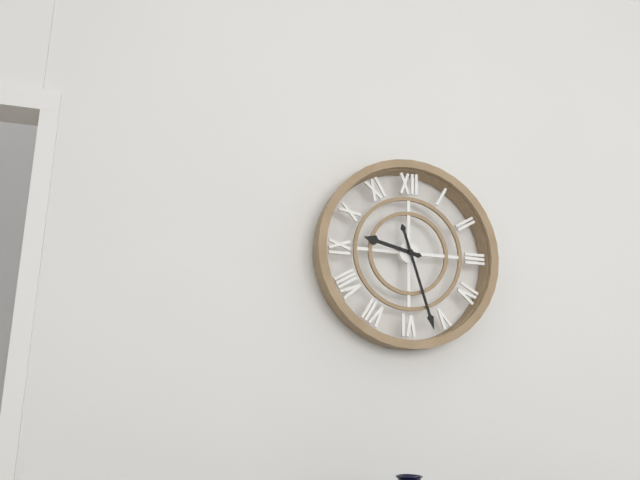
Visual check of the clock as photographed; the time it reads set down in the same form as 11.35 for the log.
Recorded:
9.27
